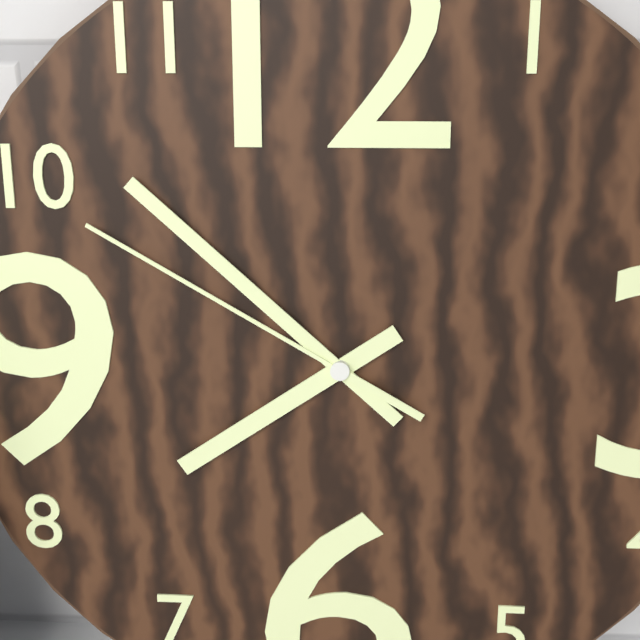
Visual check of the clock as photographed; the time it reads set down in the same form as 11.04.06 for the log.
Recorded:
7.52.50
